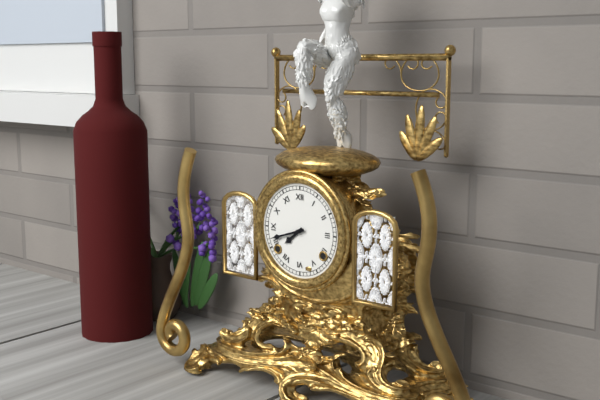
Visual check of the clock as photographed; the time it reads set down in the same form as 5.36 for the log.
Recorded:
7.42
